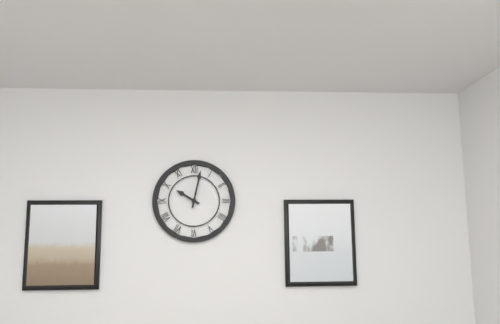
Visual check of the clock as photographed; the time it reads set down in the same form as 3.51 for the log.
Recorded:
10.02
